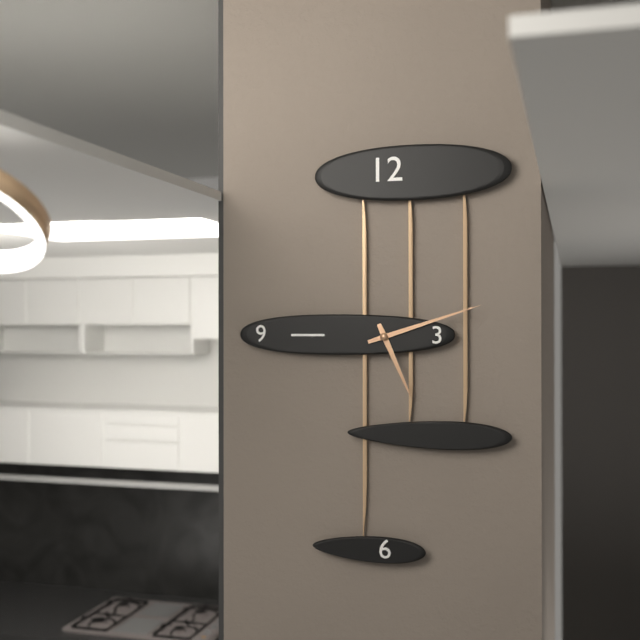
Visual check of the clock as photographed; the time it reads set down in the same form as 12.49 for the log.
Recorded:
5.12
